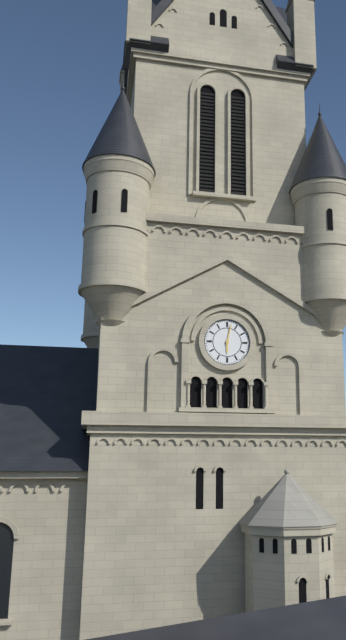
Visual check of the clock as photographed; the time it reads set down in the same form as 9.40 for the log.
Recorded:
6.02
